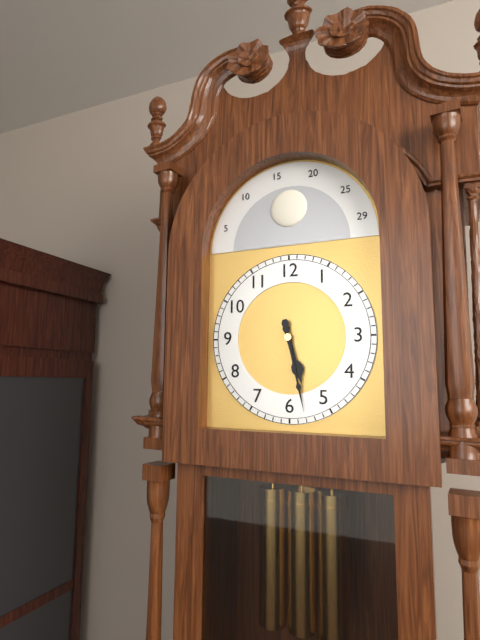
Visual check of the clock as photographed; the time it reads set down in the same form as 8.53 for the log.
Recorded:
5.28
